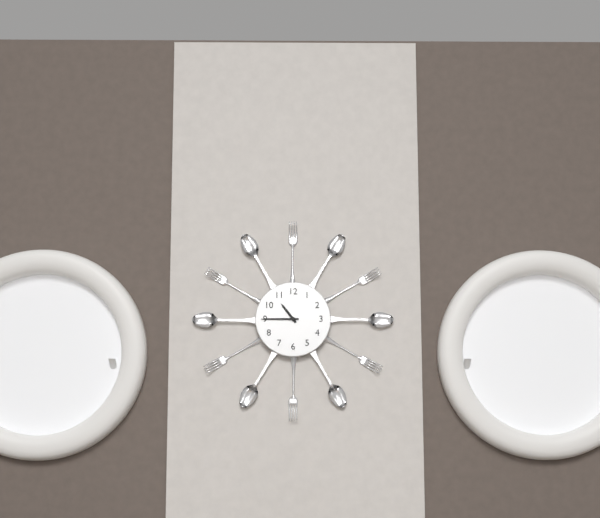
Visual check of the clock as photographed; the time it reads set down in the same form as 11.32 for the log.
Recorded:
10.45
